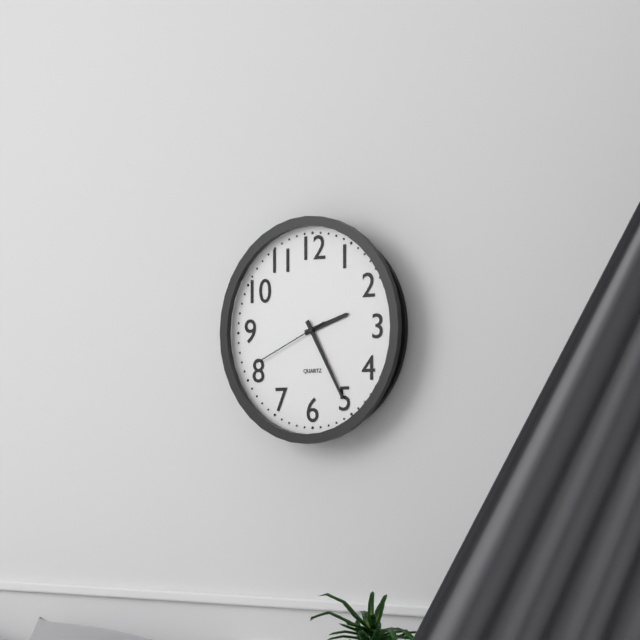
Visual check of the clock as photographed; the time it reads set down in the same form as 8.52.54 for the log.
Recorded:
2.25.41
